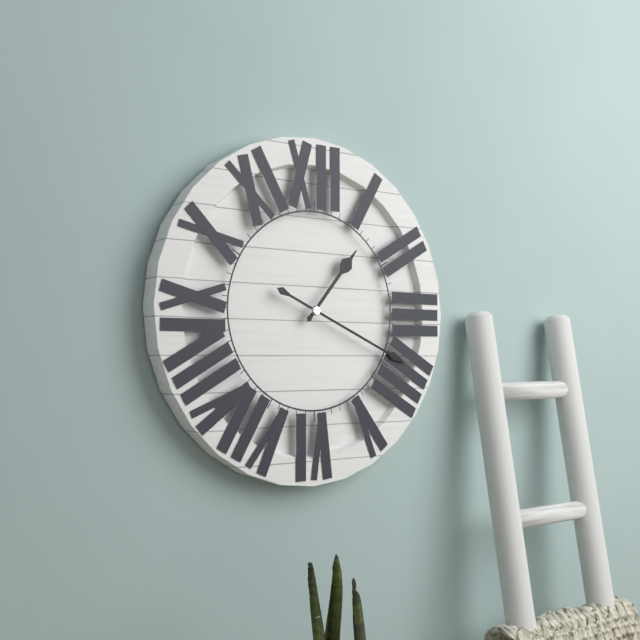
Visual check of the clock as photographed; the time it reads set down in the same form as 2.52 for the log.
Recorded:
1.19
